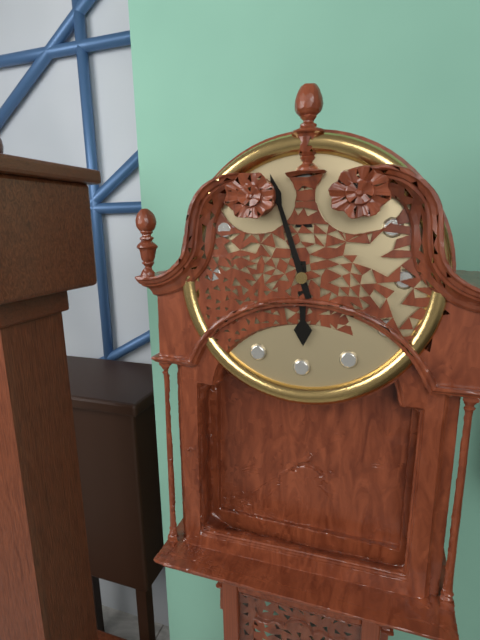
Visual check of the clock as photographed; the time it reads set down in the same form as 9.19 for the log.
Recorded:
5.57
